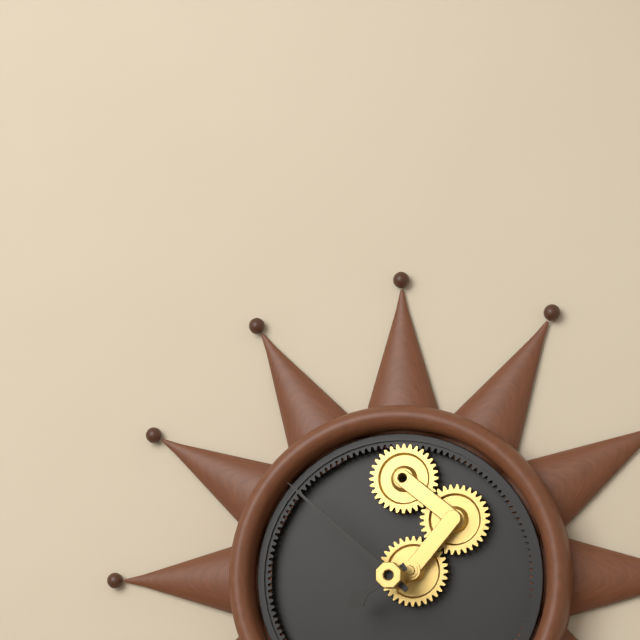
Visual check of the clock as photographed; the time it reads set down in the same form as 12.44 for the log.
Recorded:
7.52
